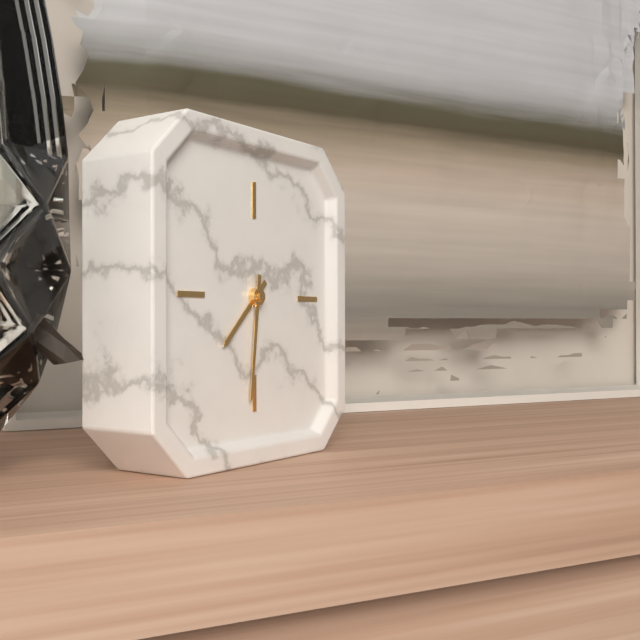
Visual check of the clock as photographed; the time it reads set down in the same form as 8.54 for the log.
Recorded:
7.31
